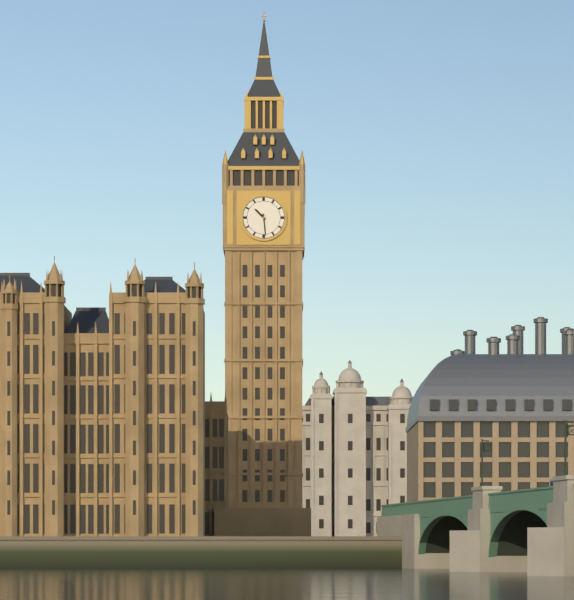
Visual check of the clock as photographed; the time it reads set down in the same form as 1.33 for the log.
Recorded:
10.29
